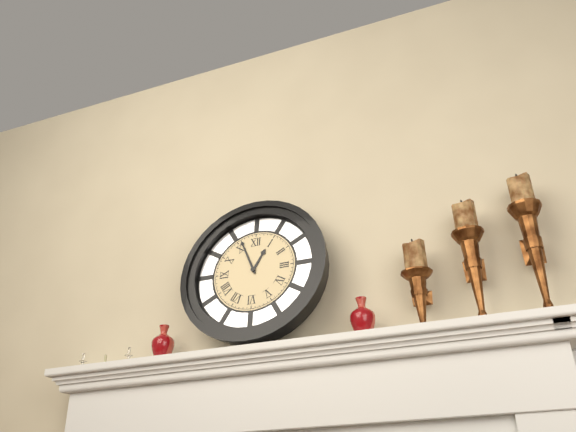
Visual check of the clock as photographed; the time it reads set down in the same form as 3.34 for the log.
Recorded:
12.56
